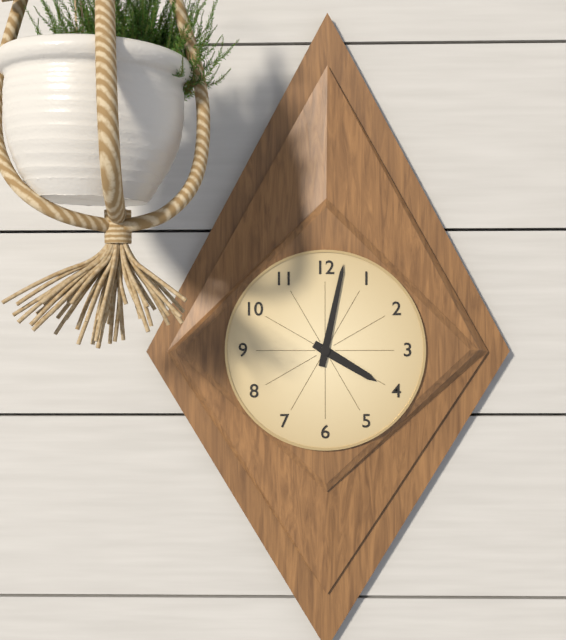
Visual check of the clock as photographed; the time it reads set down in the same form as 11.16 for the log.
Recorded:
4.02
